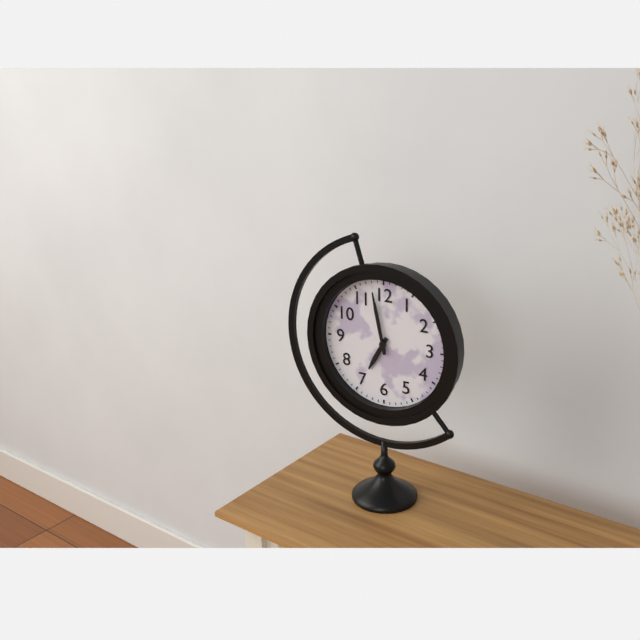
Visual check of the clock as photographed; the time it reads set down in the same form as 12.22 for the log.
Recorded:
6.58
